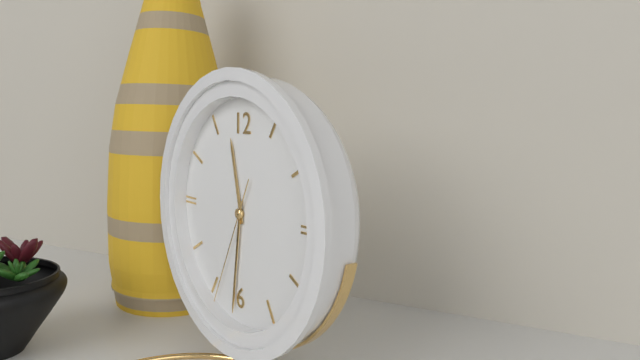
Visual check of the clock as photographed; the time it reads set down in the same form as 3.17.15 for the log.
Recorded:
11.31.34
